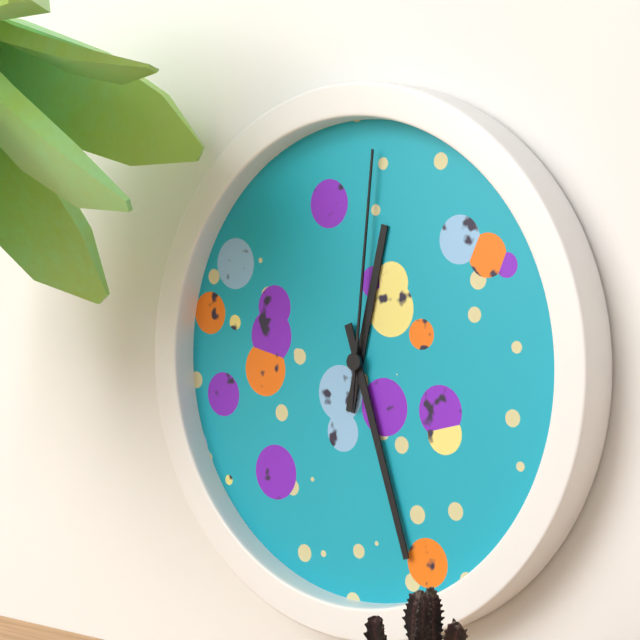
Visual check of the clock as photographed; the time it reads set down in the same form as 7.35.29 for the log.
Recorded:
12.27.01
